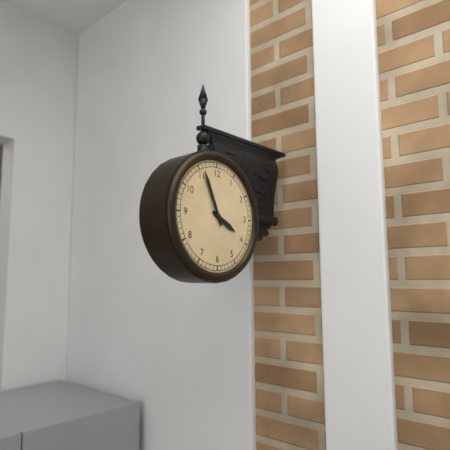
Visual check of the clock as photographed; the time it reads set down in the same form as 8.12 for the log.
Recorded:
3.56
